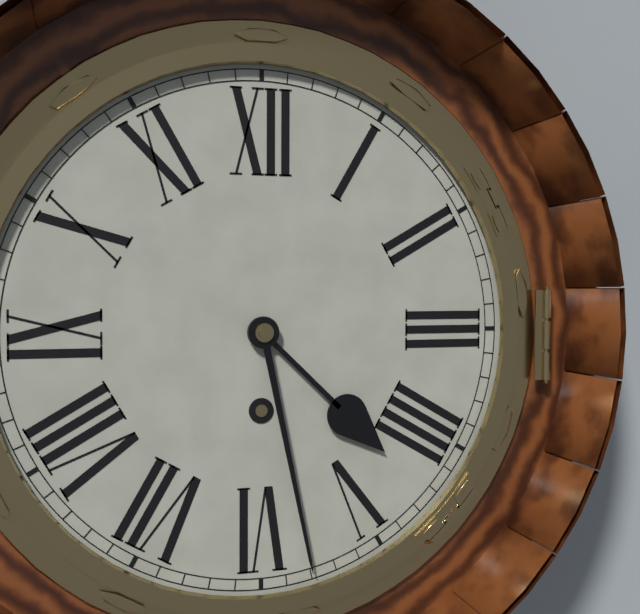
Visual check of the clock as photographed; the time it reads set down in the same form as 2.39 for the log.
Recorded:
4.28
